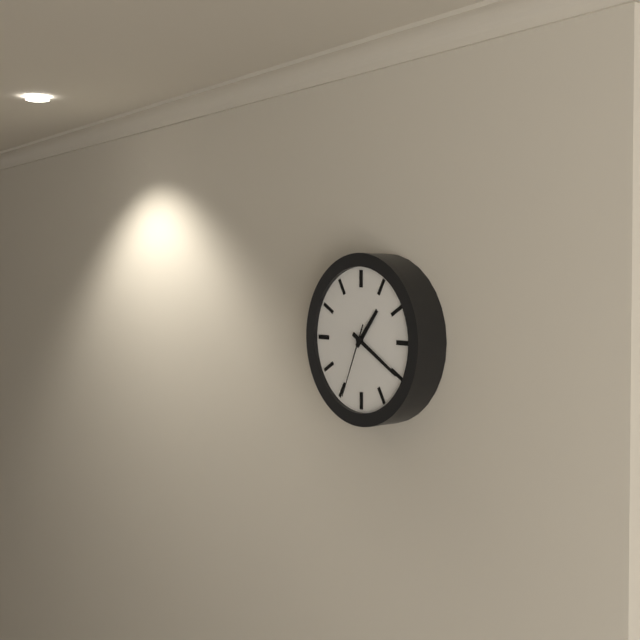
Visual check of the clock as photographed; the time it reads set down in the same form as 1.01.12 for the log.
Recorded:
1.20.34
